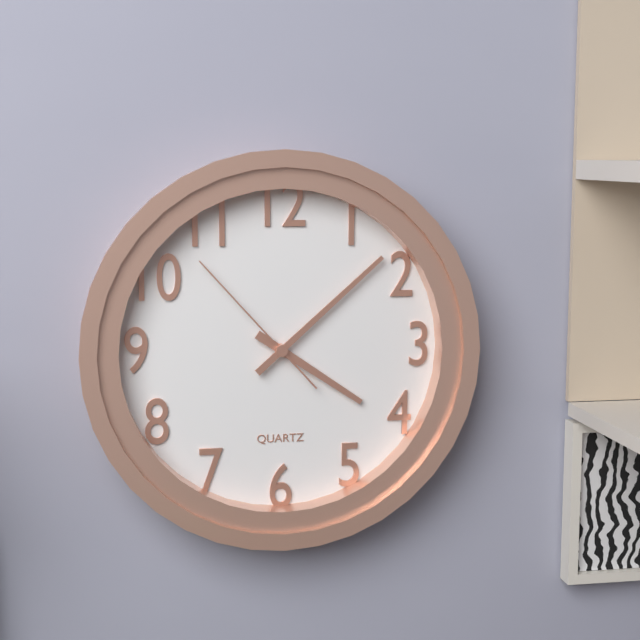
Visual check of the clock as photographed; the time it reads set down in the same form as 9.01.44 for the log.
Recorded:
4.08.53
